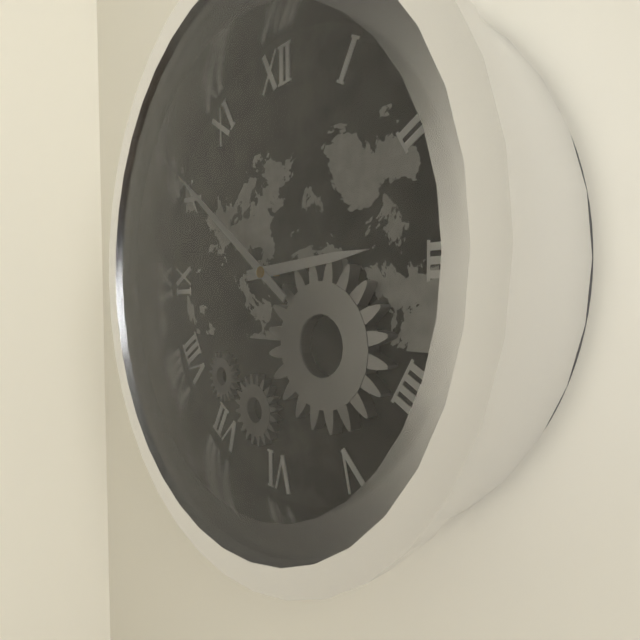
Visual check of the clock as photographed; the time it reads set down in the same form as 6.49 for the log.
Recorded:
2.51
